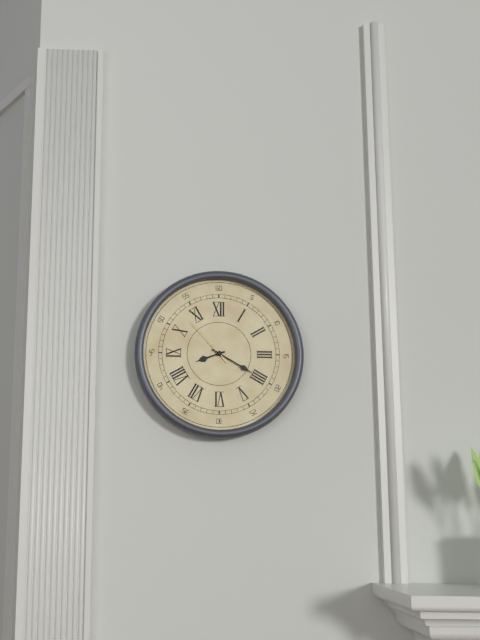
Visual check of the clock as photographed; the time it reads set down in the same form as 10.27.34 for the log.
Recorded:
8.20.53
